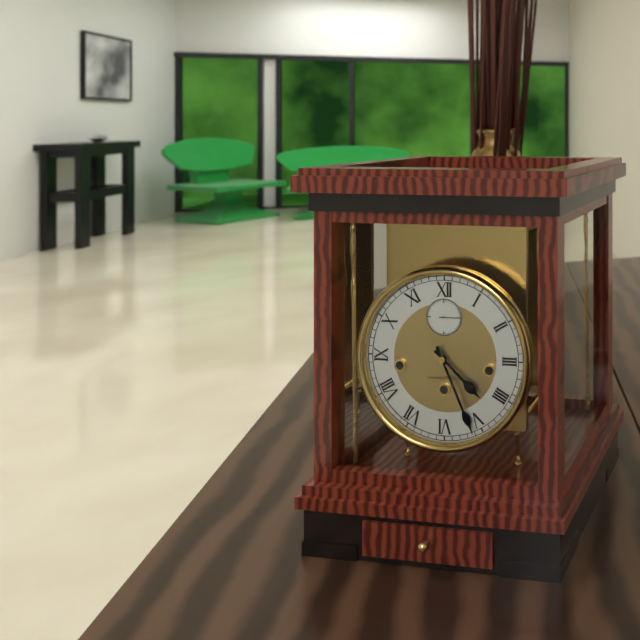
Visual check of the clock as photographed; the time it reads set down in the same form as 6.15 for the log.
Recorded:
4.26
